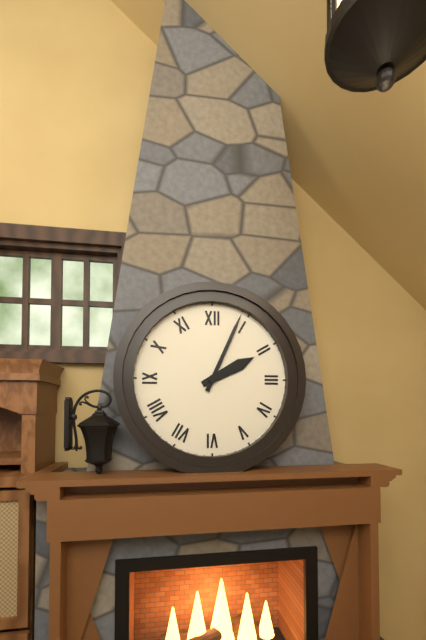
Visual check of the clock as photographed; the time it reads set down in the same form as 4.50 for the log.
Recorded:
2.04
